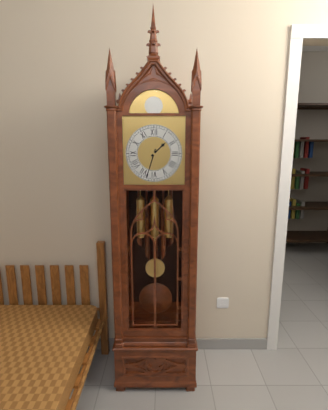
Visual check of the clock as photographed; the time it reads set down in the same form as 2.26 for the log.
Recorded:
1.33
